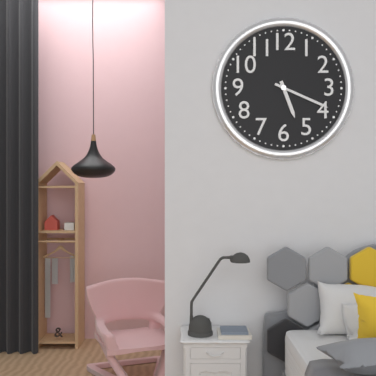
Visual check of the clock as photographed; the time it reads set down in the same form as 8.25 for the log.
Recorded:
5.19
